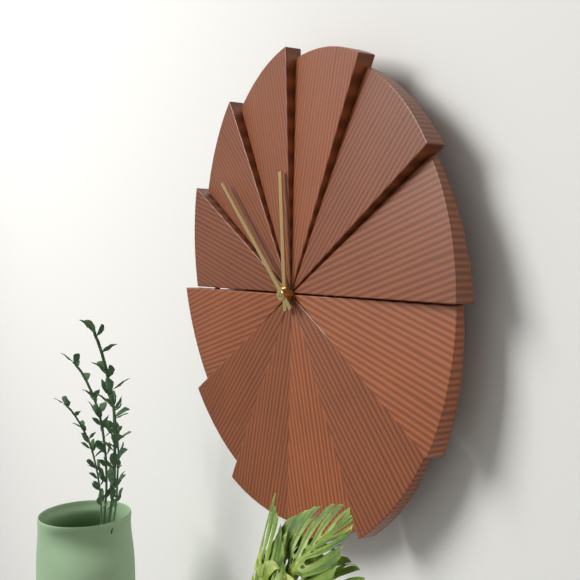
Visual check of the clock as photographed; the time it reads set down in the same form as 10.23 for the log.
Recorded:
11.52
